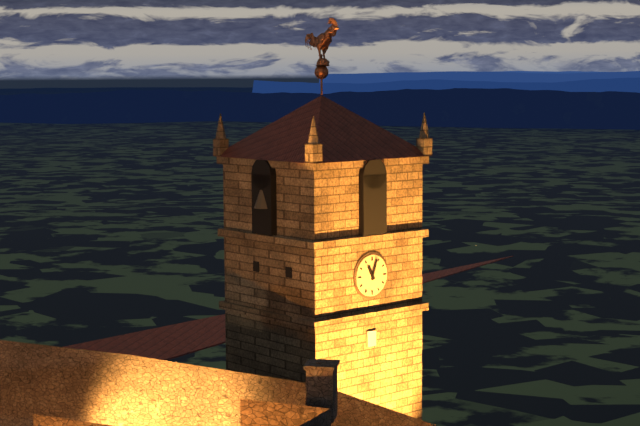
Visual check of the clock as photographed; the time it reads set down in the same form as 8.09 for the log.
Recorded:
11.03
